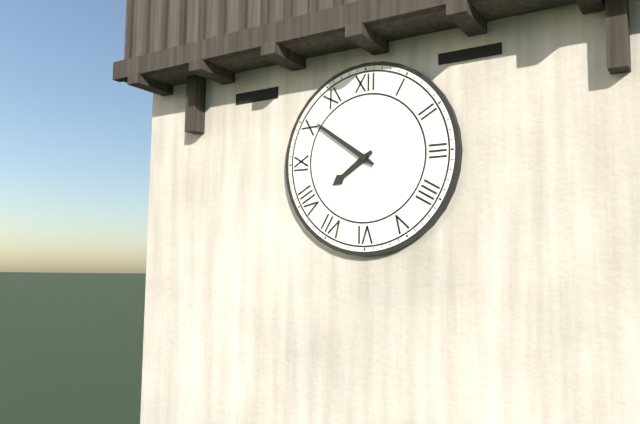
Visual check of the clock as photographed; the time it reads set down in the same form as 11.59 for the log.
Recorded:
7.51
